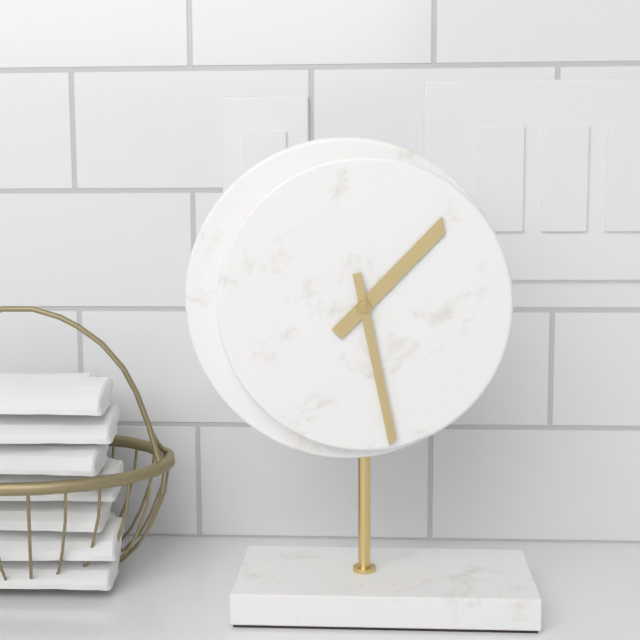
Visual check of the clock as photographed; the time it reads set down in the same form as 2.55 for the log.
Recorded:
1.28
